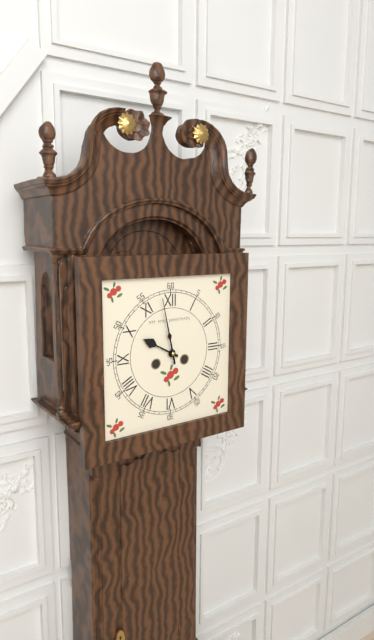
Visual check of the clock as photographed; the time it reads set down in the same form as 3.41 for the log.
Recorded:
9.58
